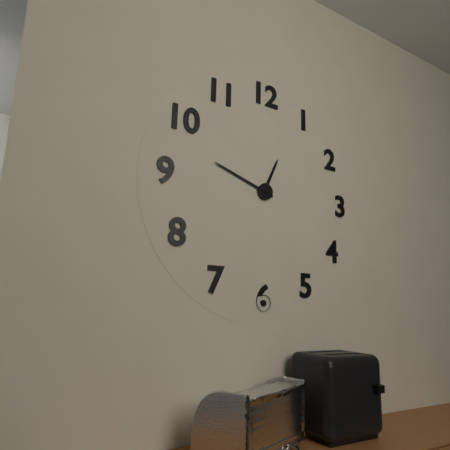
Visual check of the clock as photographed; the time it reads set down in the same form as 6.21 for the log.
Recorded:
12.48
